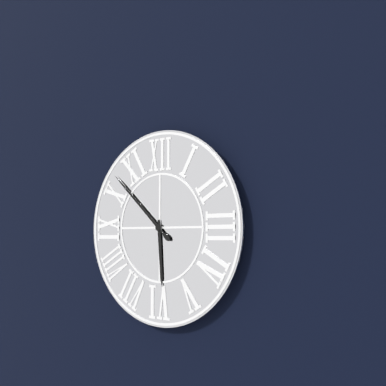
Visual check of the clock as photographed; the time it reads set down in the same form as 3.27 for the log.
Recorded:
5.52
